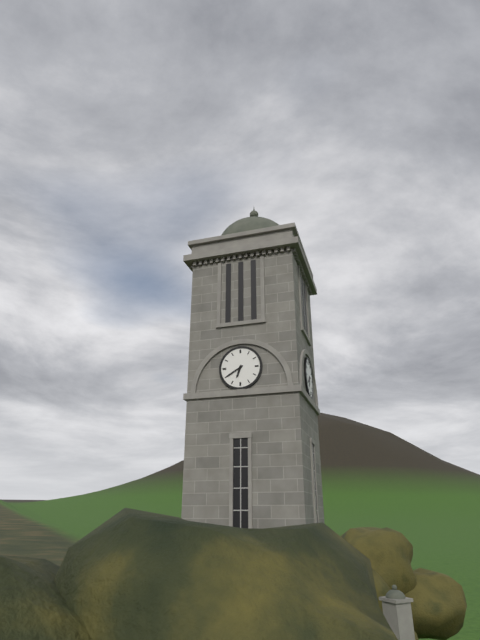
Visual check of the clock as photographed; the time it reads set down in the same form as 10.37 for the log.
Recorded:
6.40
